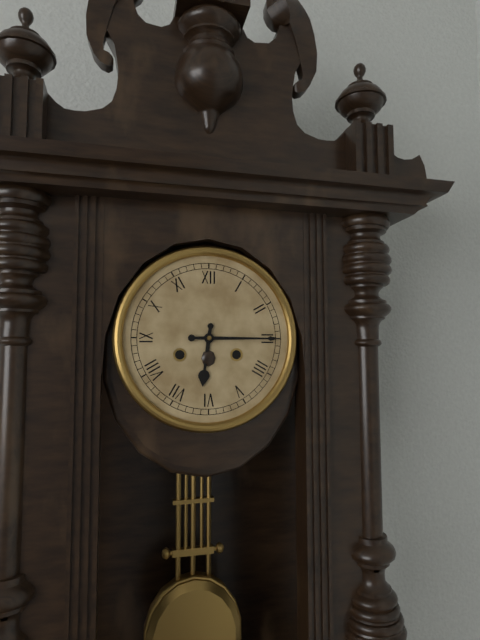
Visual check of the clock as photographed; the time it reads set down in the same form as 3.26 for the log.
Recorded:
6.15
